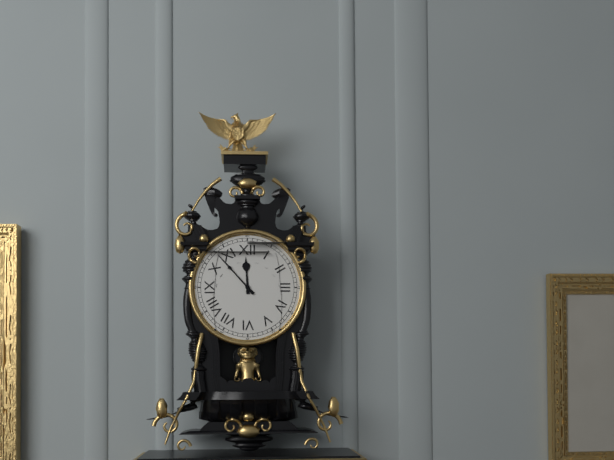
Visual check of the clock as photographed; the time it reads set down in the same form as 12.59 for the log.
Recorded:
11.53
